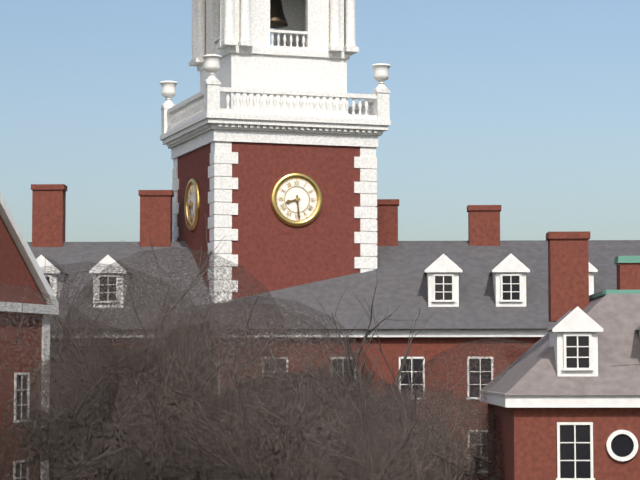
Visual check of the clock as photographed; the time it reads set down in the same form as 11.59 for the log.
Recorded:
8.29
